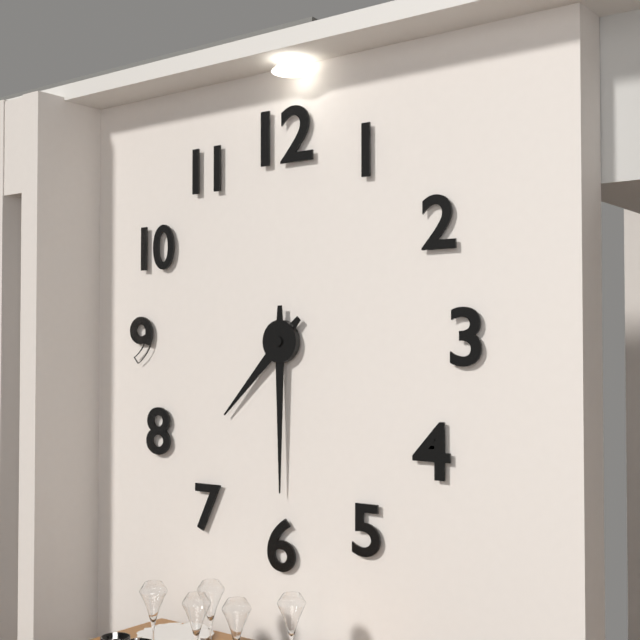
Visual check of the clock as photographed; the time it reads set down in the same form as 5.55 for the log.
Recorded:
7.30
